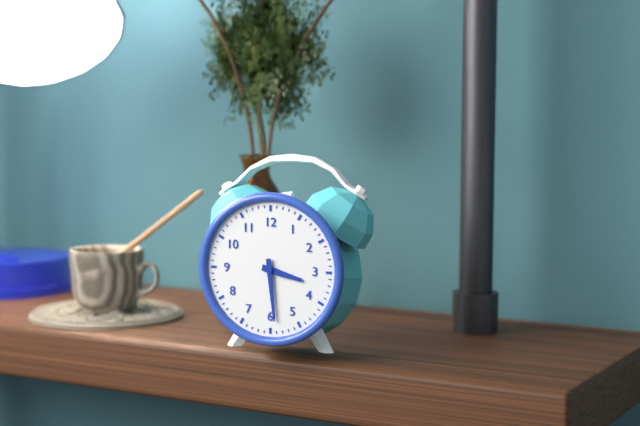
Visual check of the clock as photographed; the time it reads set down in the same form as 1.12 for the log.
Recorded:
3.29
